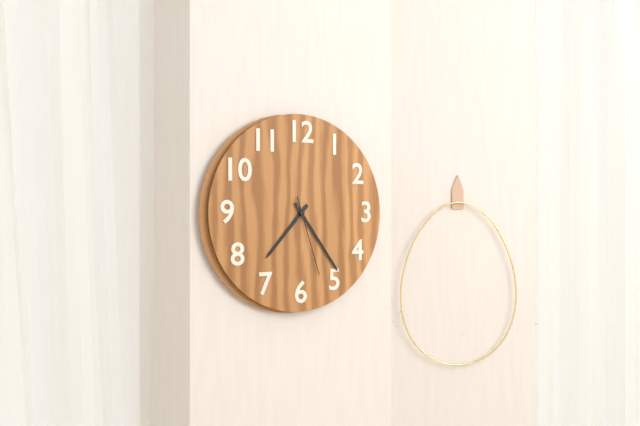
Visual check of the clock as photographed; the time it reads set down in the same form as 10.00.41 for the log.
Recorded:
7.24.27
